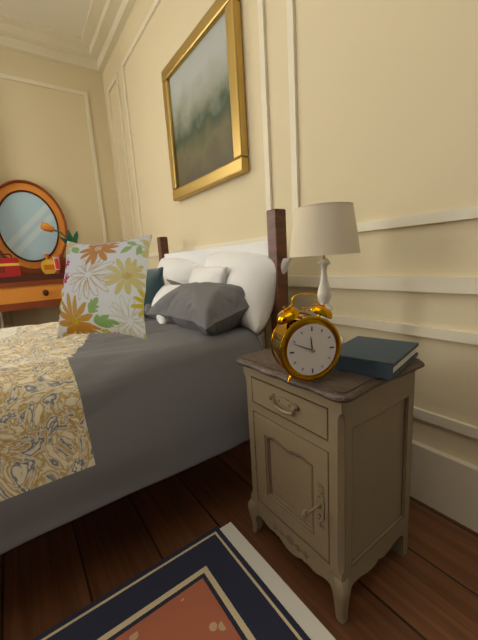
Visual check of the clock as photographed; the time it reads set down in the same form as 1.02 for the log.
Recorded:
11.49
